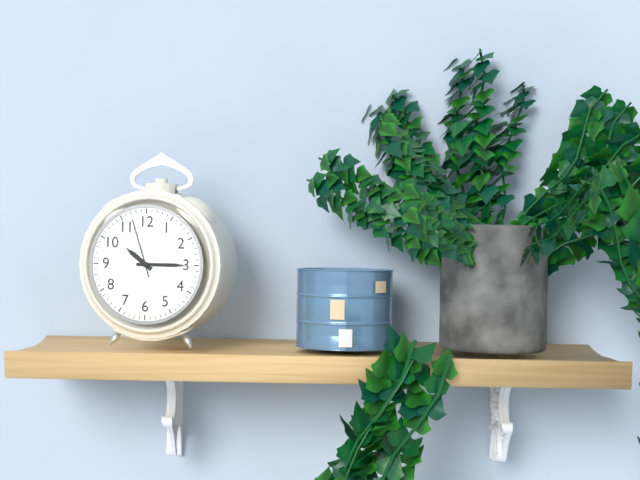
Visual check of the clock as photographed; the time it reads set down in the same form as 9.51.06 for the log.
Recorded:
10.15.57
